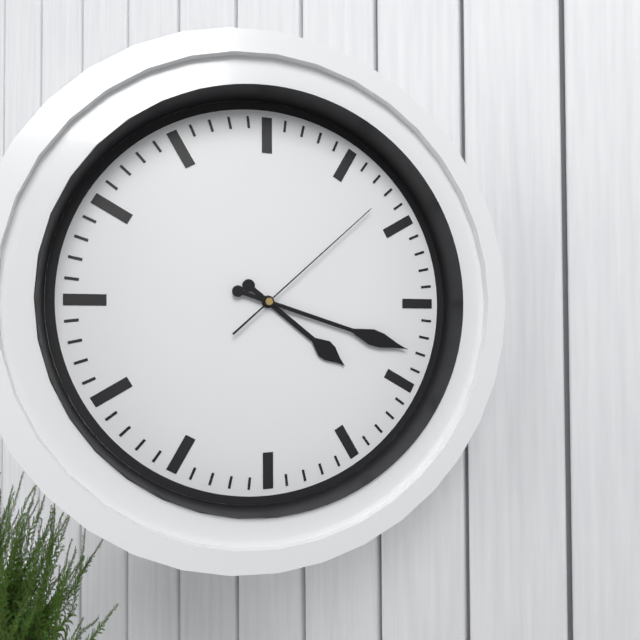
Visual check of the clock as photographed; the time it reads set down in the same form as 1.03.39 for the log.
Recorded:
4.18.08
